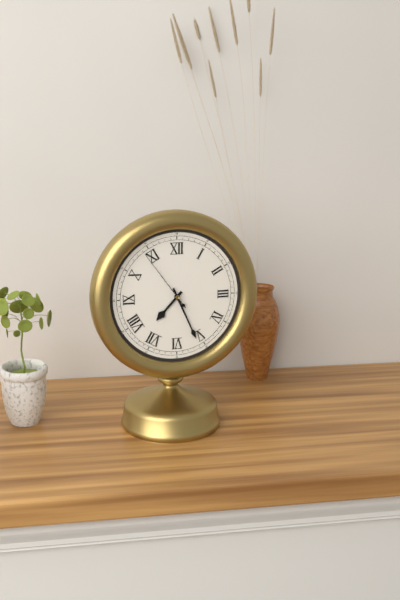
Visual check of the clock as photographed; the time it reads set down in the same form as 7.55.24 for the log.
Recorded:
7.26.54
